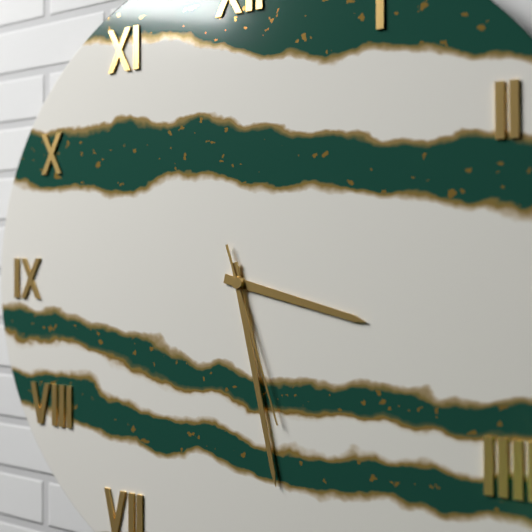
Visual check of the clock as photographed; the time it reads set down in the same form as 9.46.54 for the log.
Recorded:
3.28.27
